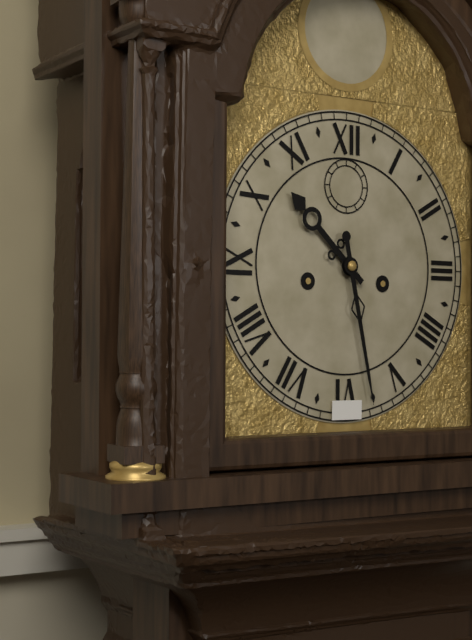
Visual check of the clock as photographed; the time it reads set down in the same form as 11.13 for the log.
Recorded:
10.28
